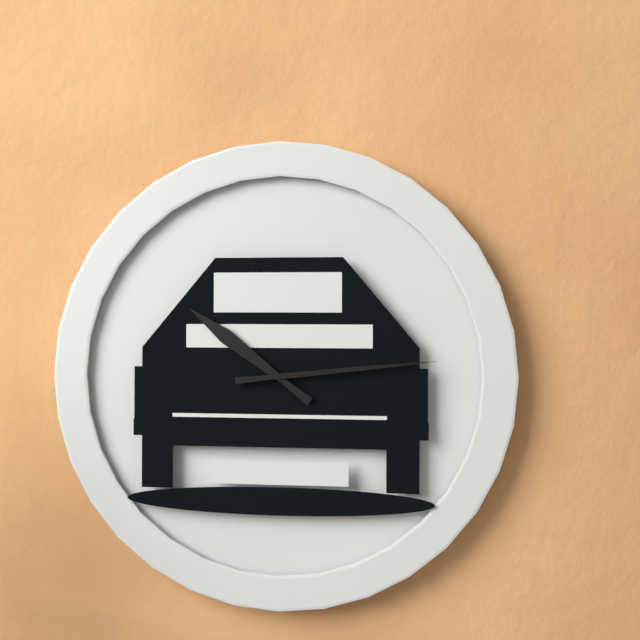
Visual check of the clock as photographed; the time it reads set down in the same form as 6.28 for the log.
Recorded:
10.14
